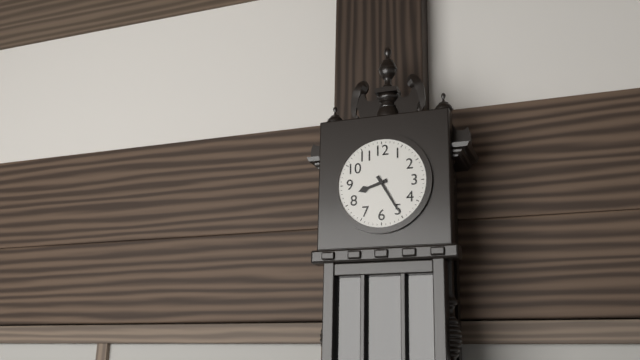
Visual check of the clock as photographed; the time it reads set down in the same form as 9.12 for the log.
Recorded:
8.25
